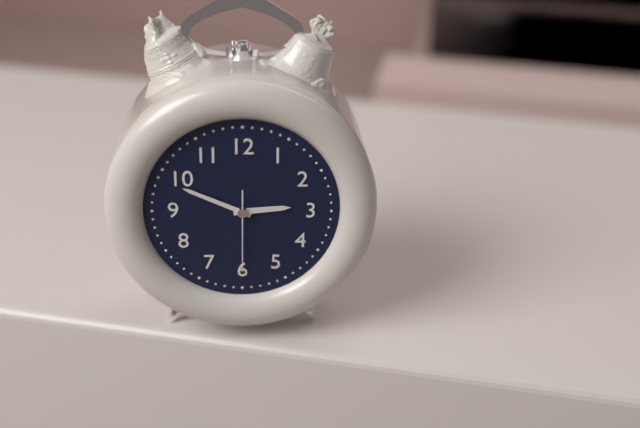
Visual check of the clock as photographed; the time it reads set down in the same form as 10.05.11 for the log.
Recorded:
2.49.30
